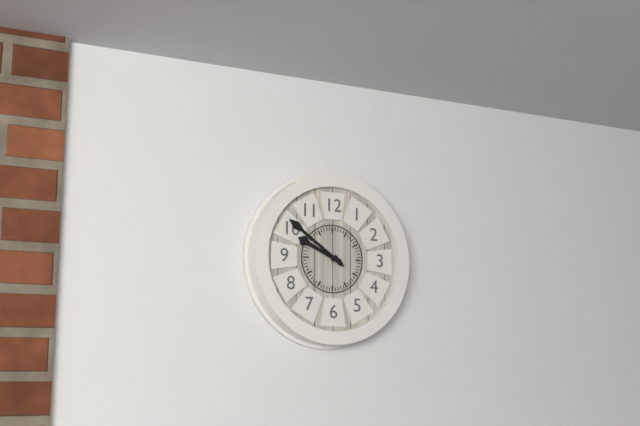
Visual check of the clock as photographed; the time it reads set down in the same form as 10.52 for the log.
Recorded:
9.51
